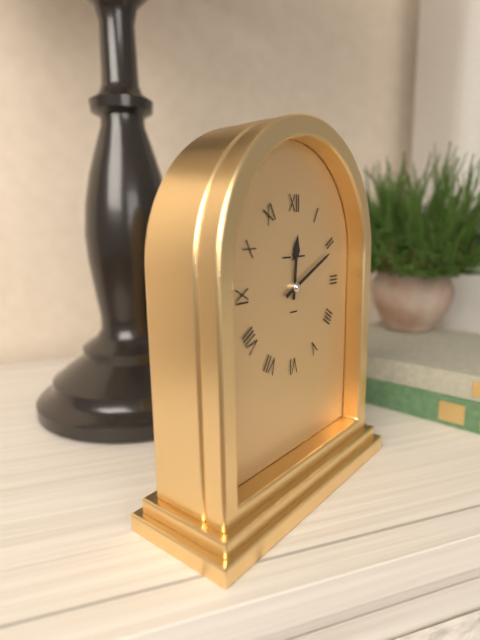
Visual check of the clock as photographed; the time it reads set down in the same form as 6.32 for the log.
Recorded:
12.11
